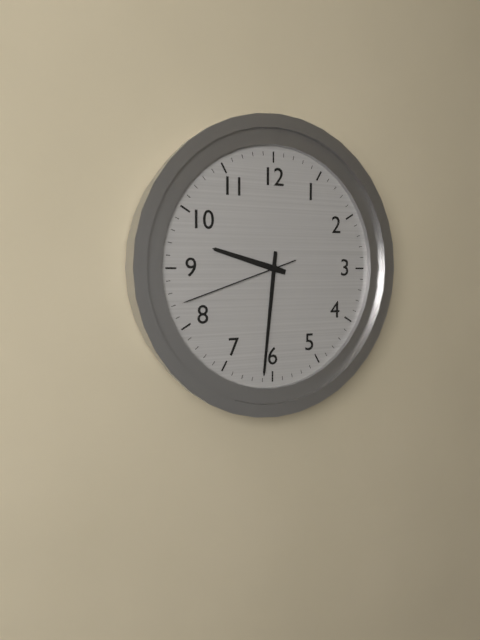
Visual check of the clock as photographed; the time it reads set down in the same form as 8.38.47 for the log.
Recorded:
9.31.42
